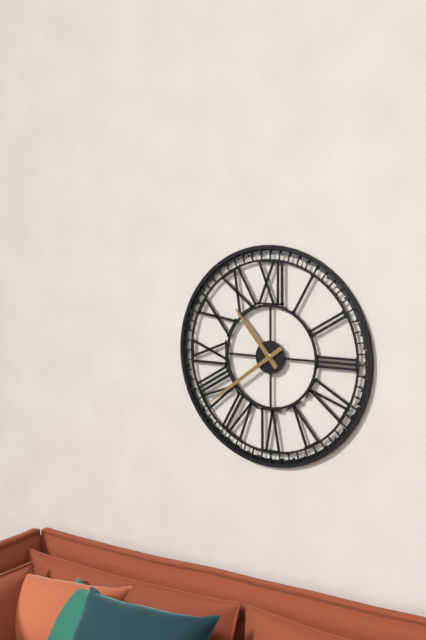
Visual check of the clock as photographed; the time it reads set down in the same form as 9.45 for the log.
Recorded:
10.39
